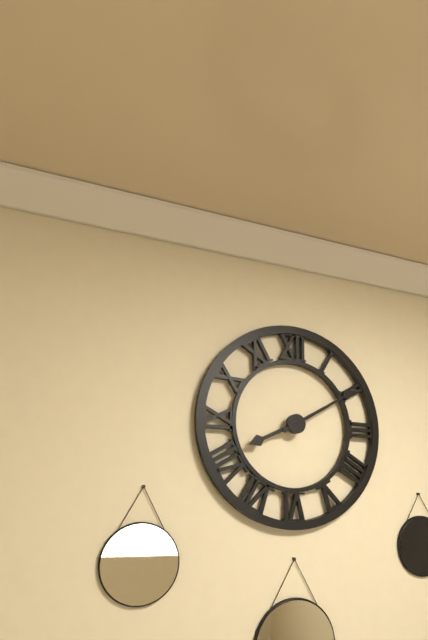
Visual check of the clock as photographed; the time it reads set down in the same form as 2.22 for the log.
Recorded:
8.10
